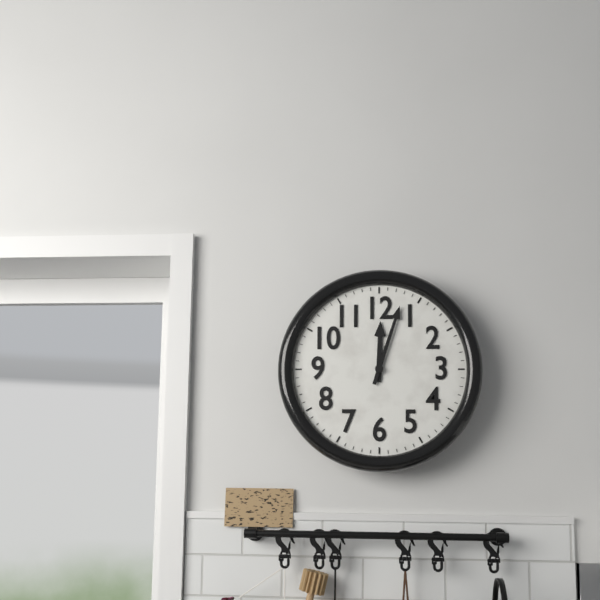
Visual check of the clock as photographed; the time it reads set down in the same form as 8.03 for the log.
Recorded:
12.03
